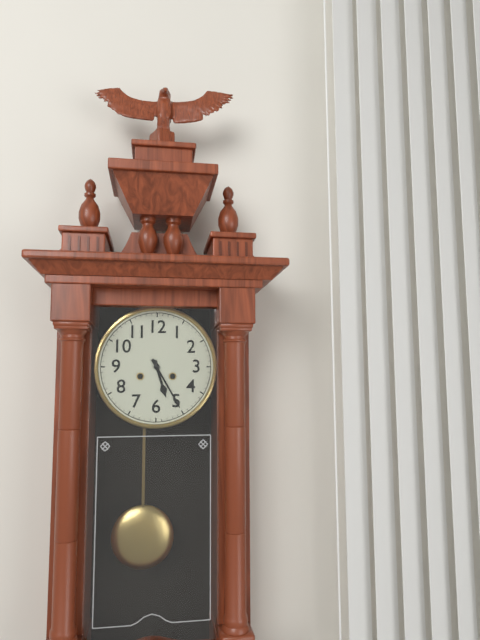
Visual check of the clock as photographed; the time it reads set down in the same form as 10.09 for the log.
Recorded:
5.25
